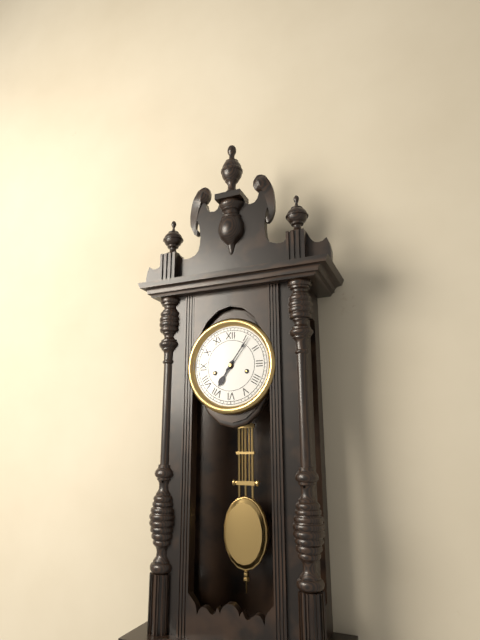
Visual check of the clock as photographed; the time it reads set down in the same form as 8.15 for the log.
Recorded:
7.06
